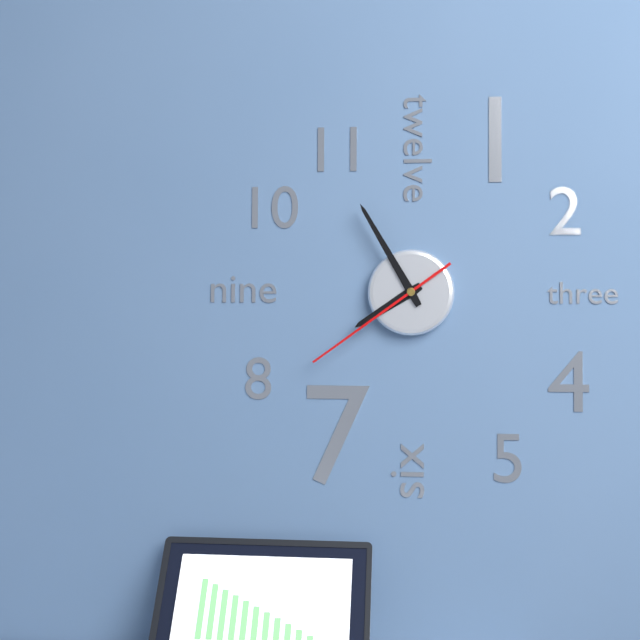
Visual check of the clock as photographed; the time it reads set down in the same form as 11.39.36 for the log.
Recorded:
7.55.39
